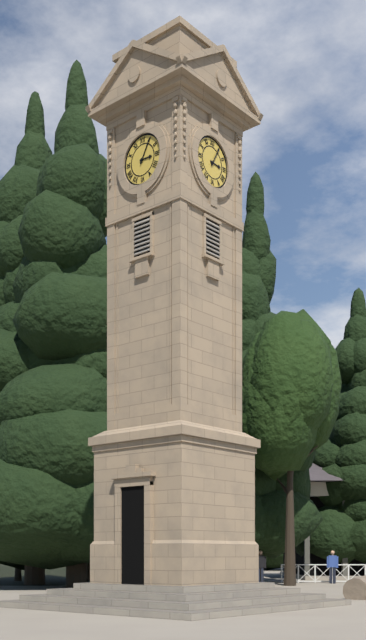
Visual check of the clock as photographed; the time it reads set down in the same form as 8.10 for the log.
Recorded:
3.05
